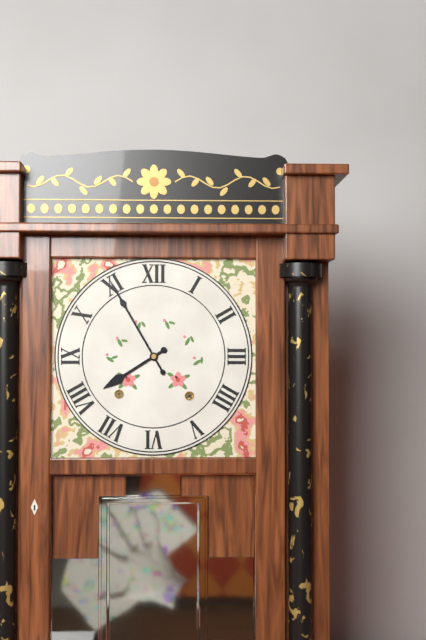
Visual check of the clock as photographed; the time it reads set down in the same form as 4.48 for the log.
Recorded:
7.55
